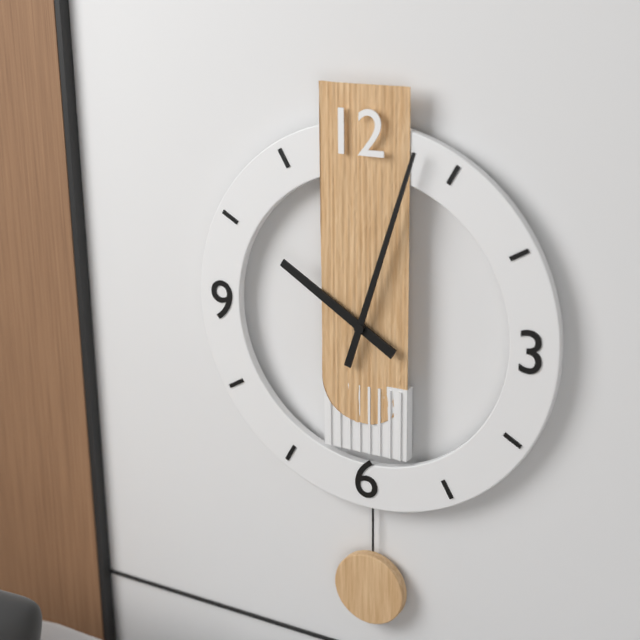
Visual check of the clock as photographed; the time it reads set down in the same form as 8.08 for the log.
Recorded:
10.03
